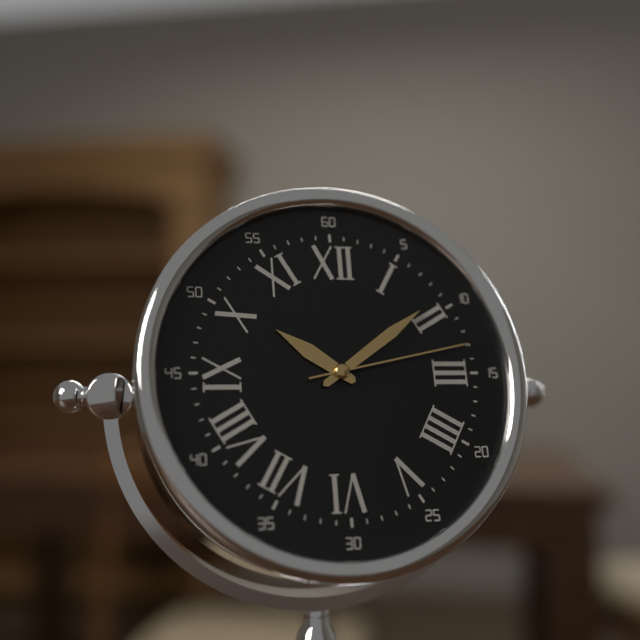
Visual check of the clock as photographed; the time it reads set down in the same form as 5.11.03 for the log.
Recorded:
10.09.13
